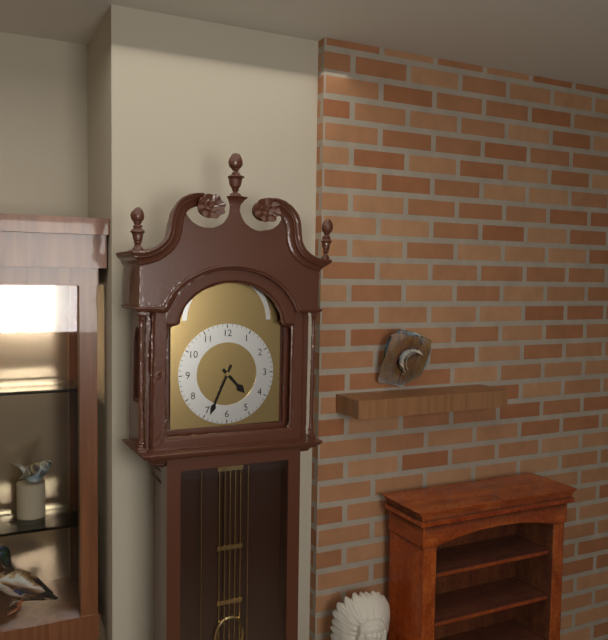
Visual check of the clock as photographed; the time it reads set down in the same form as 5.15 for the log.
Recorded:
4.34
